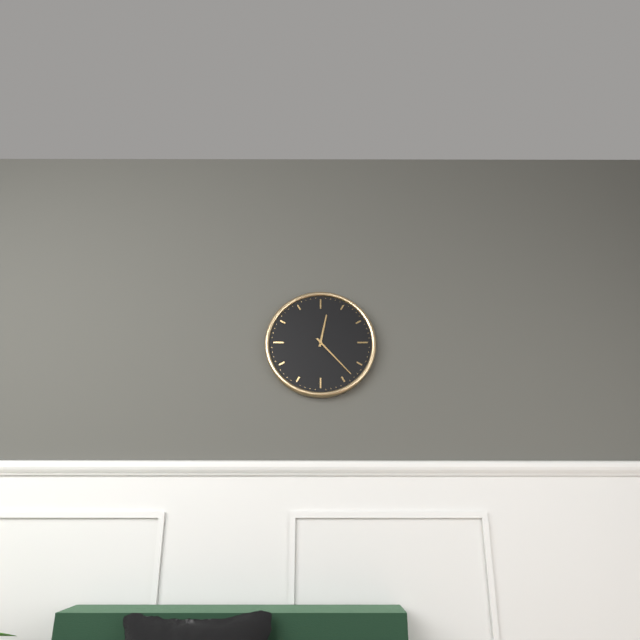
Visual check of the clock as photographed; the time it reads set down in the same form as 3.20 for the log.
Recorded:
12.23
